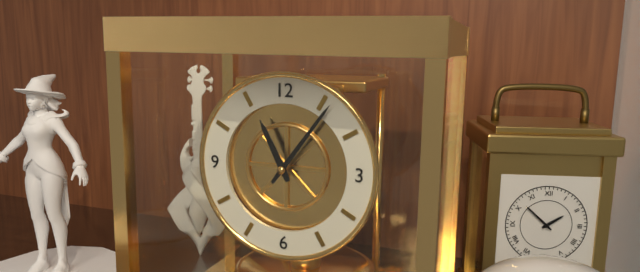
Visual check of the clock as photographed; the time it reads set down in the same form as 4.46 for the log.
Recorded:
11.06
